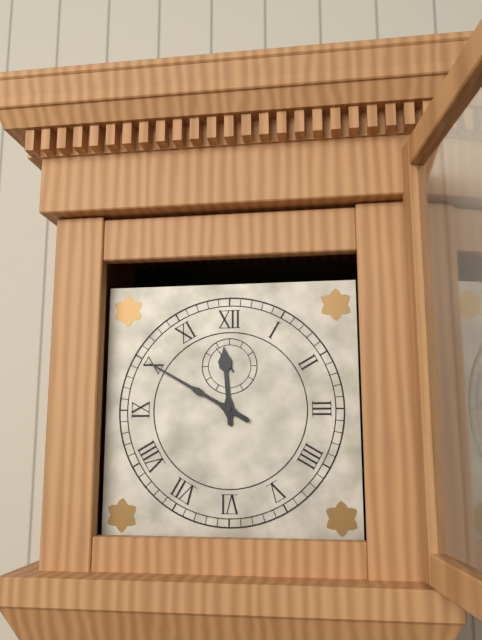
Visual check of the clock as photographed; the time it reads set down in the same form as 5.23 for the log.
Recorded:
11.50
